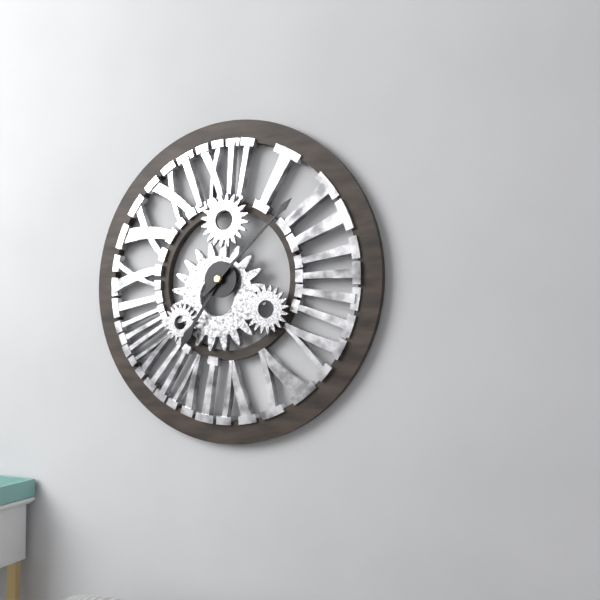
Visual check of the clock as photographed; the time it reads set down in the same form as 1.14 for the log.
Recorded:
7.08
